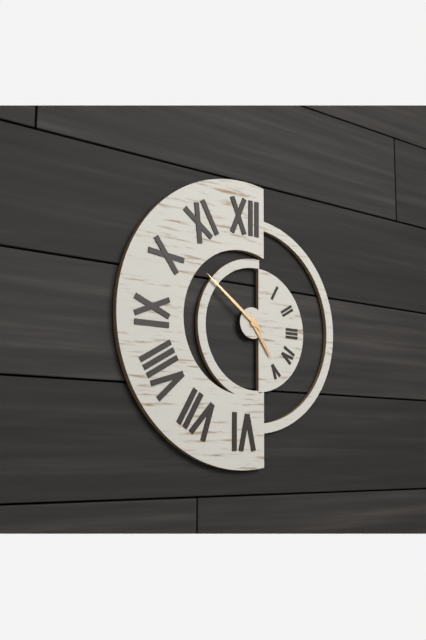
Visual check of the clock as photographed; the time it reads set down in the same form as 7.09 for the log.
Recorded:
4.51
